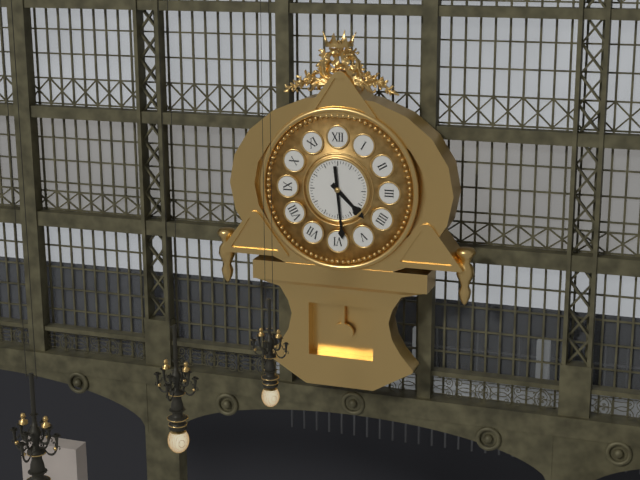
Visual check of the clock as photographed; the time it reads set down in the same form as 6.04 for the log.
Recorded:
4.29
